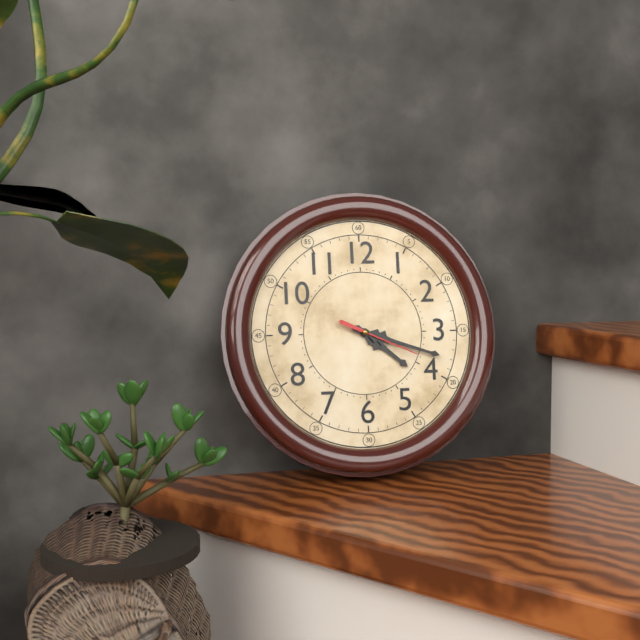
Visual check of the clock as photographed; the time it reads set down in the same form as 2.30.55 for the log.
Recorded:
4.18.19
